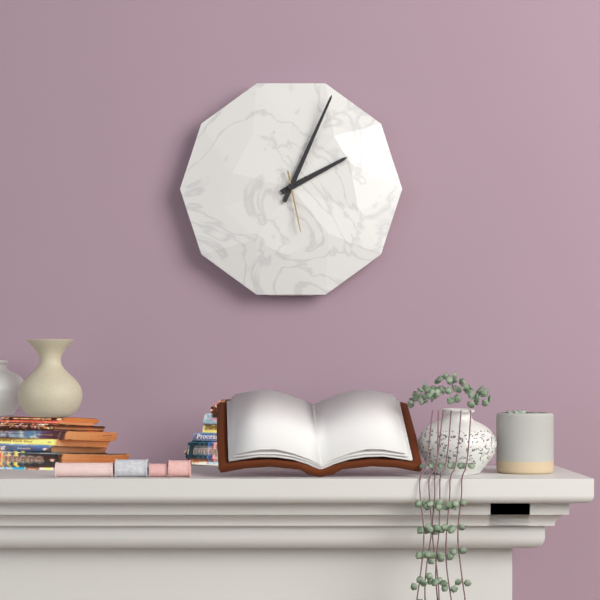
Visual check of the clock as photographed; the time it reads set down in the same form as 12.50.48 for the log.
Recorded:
2.04.28
